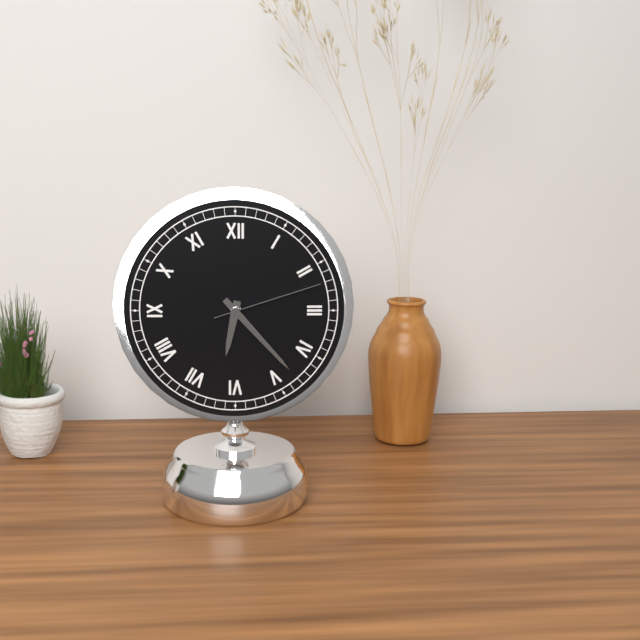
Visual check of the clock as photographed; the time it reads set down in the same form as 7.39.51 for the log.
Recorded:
6.23.12
